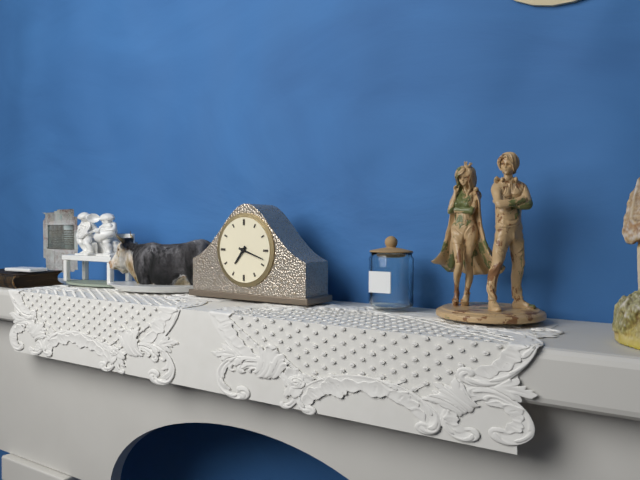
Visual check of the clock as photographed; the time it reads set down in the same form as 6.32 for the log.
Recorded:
7.18
